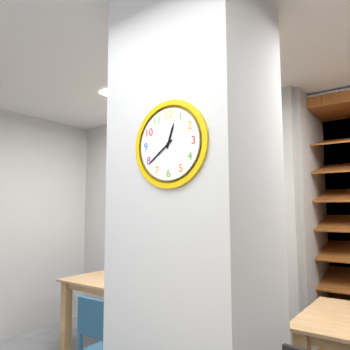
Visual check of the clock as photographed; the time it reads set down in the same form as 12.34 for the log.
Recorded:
12.39
